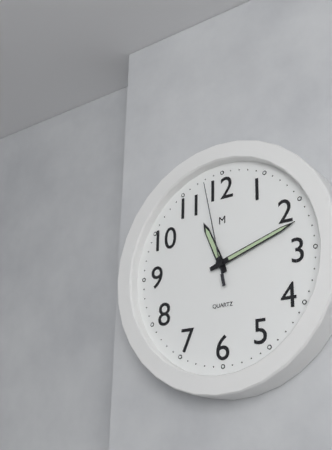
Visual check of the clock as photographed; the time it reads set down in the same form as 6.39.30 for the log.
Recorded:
11.12.58
